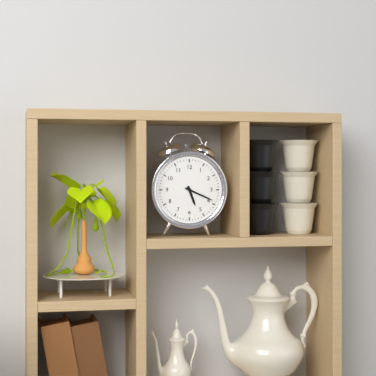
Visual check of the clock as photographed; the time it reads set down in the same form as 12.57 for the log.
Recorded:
5.19
